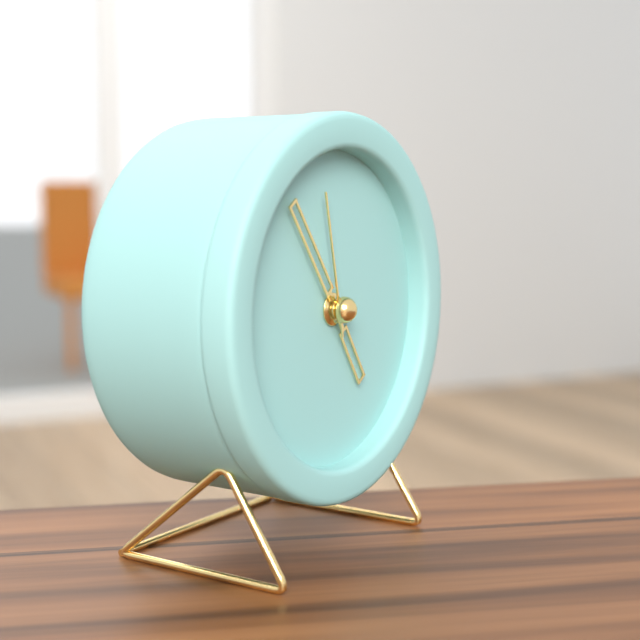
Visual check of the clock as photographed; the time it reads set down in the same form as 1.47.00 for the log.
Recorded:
4.54.58
